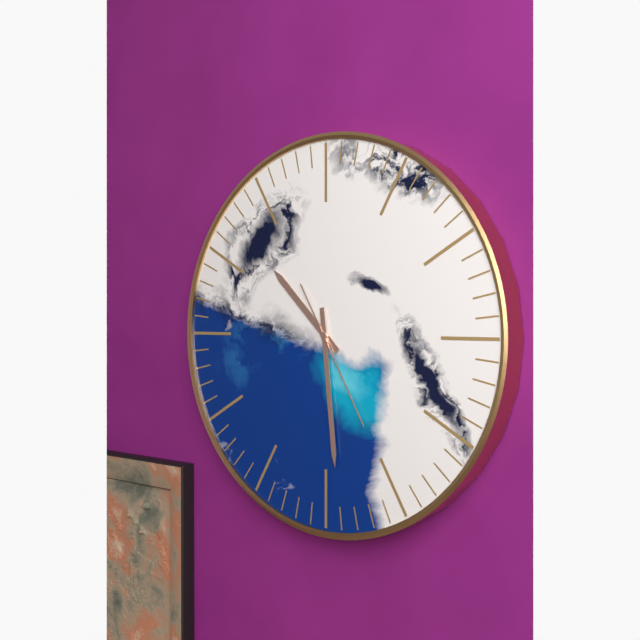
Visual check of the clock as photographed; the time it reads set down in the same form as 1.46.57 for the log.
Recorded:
10.29.25
